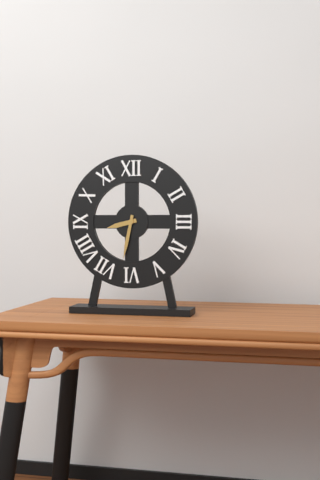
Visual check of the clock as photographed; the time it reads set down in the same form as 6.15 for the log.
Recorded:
8.32
